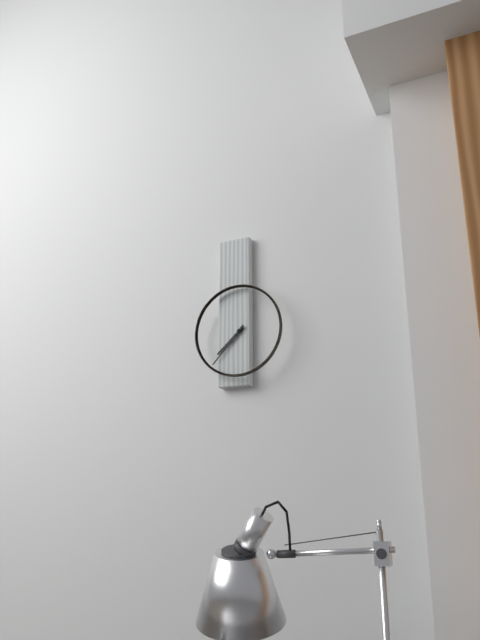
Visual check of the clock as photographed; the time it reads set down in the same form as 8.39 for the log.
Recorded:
7.37
